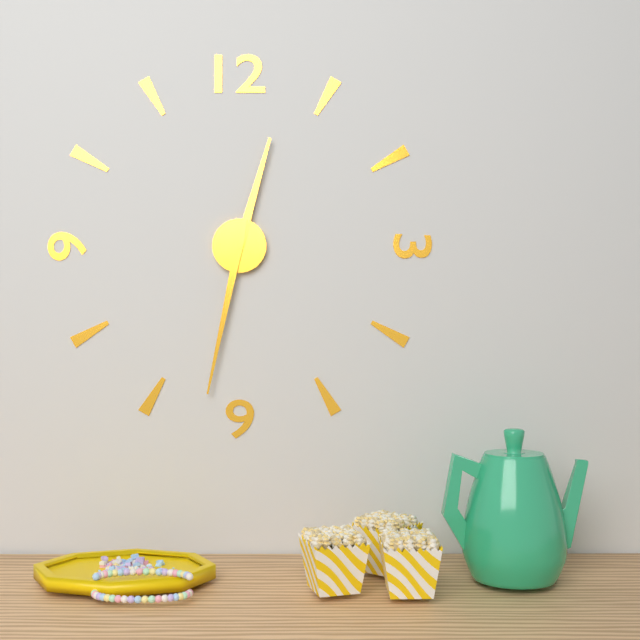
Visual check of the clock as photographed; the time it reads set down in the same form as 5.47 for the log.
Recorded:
12.32
